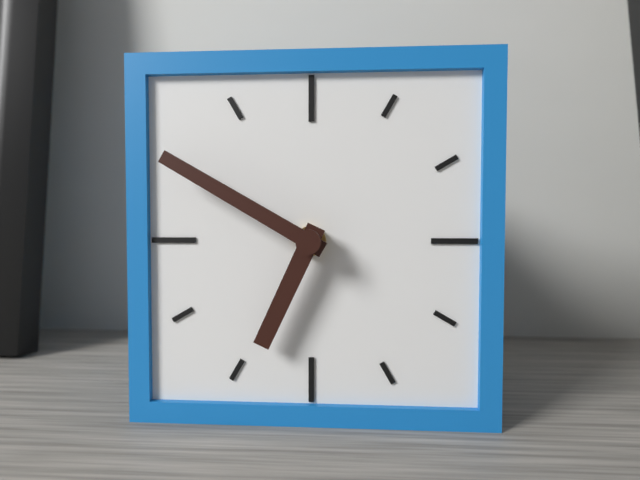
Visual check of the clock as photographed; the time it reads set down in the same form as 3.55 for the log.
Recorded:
6.50
